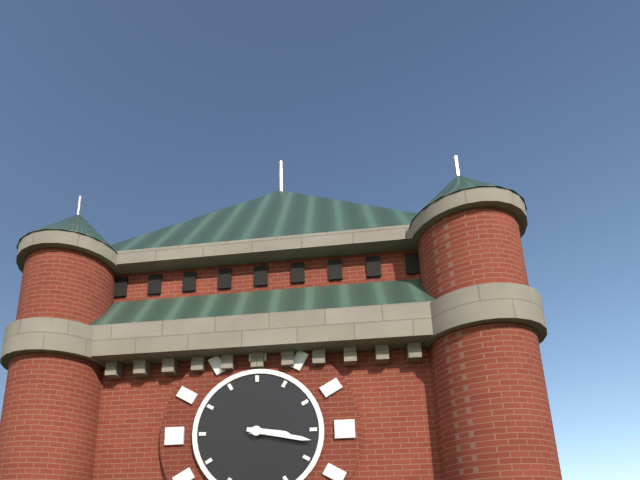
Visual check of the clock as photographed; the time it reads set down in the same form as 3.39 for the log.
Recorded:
3.17
